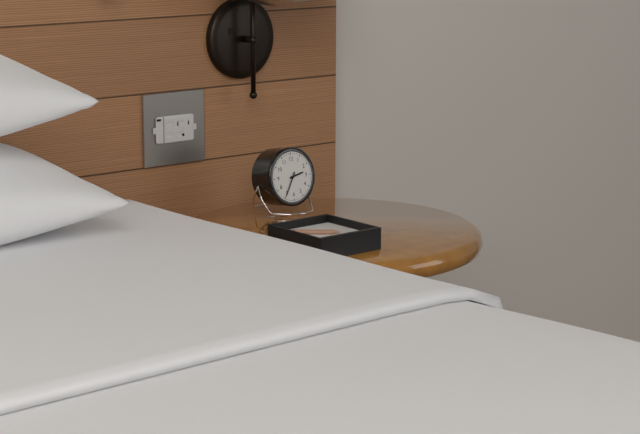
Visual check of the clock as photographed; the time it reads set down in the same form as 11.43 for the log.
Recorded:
2.35
